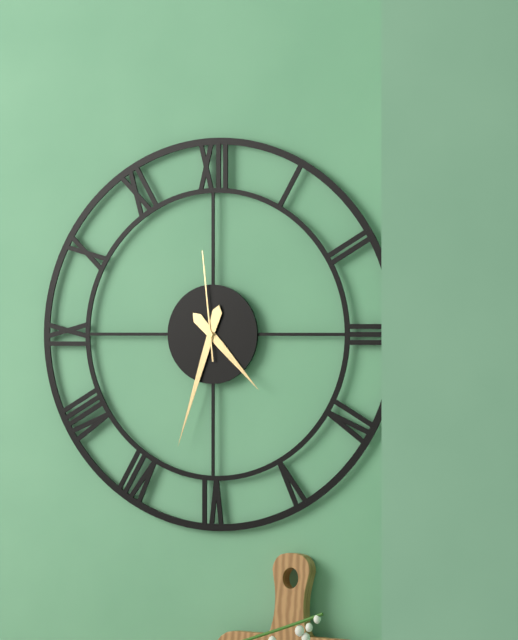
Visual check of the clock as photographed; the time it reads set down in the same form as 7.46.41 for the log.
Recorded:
4.33.59
